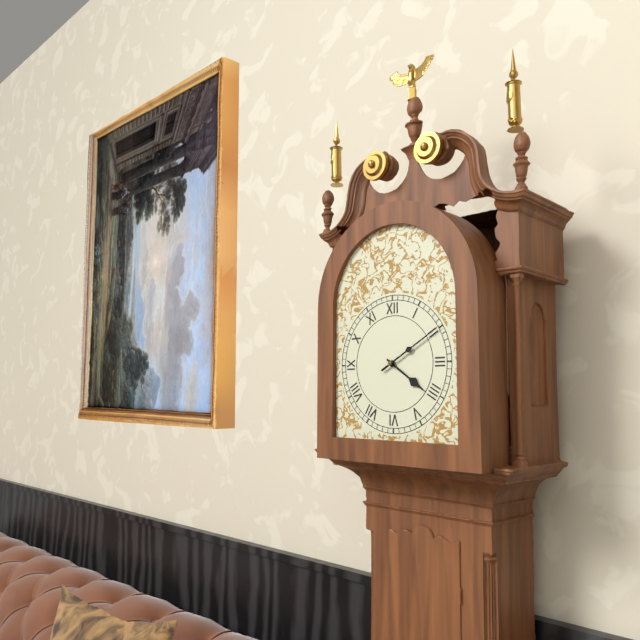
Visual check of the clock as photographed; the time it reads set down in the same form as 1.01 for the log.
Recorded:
4.10
